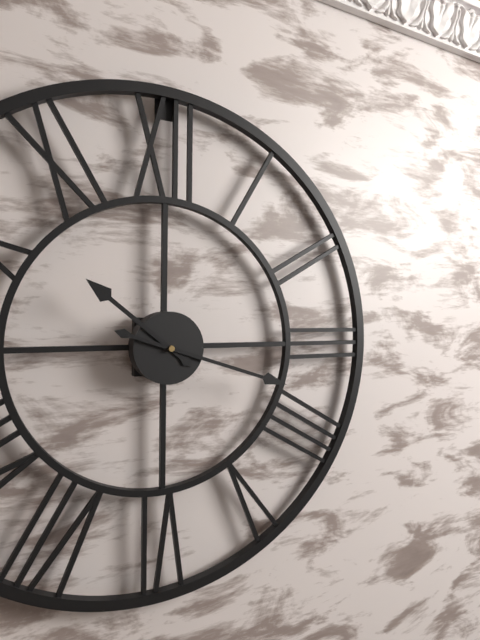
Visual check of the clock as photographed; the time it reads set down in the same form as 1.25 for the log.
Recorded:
10.18
